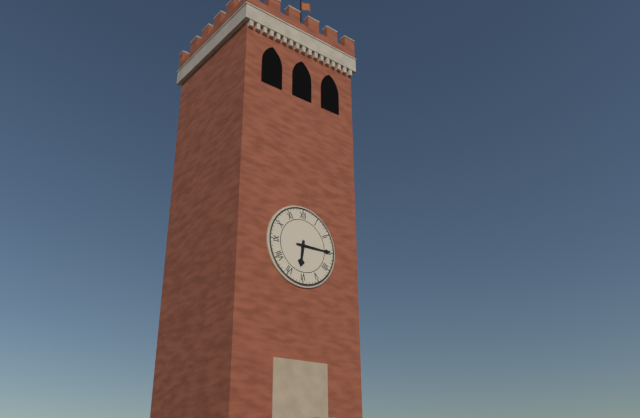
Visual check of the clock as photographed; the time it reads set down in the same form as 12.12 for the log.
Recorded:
6.15
